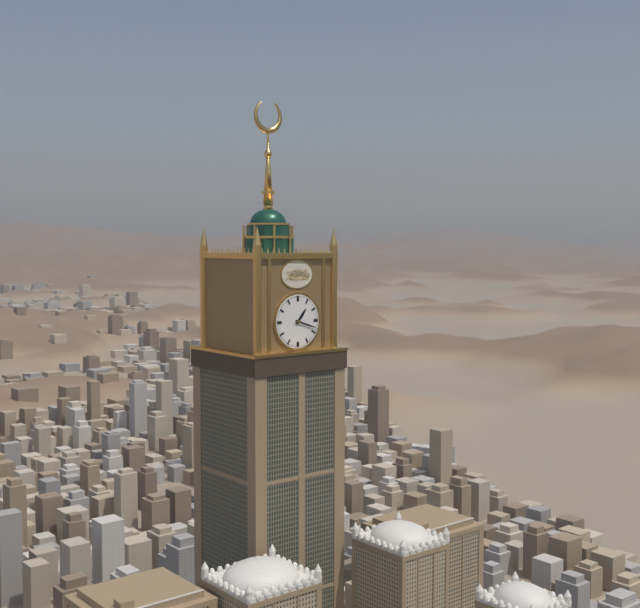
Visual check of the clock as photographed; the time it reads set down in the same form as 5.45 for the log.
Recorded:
1.18
